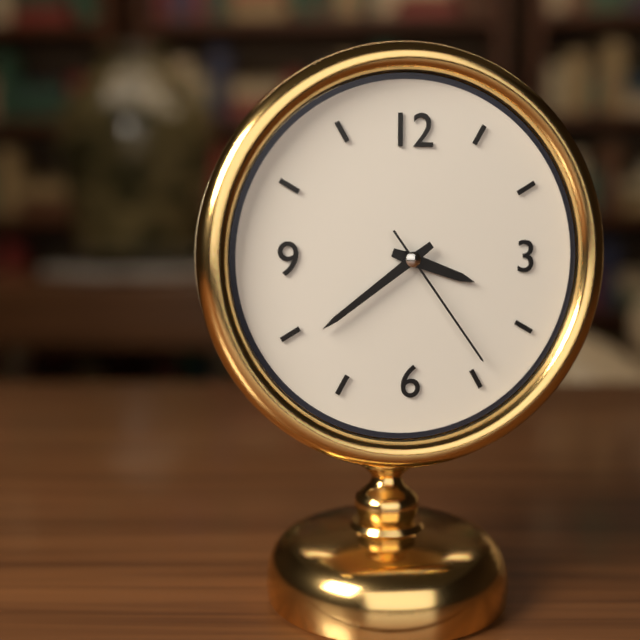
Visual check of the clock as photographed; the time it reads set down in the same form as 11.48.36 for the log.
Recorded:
3.39.24
